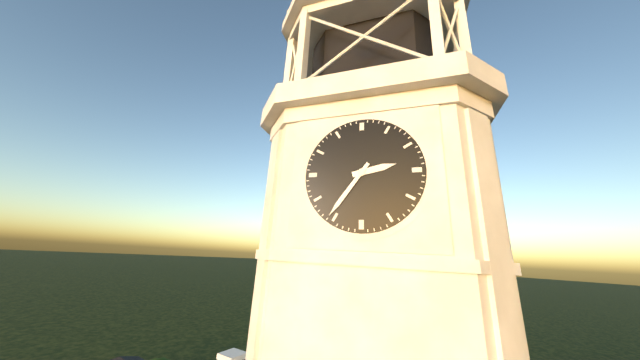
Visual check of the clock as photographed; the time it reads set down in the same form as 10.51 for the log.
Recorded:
2.36
